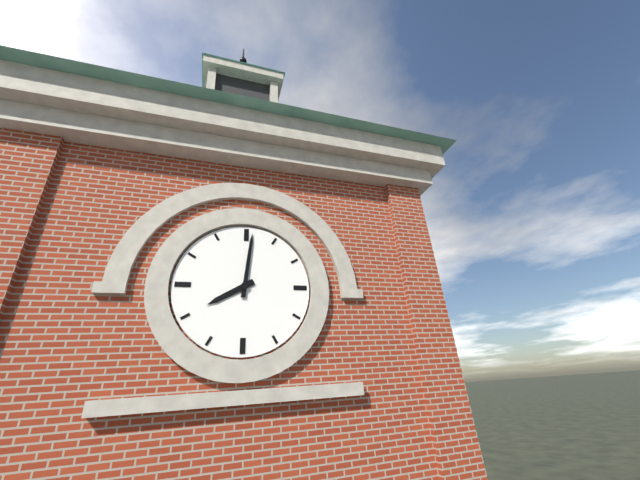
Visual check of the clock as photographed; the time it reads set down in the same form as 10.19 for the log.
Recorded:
8.01
